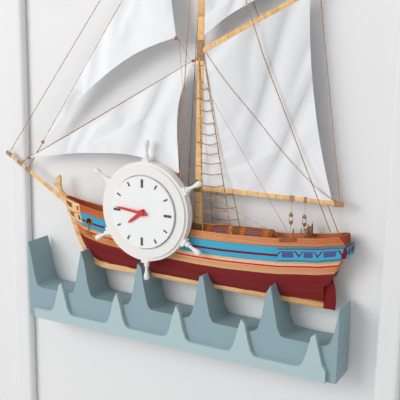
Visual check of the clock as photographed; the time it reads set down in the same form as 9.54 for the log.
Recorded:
7.46
